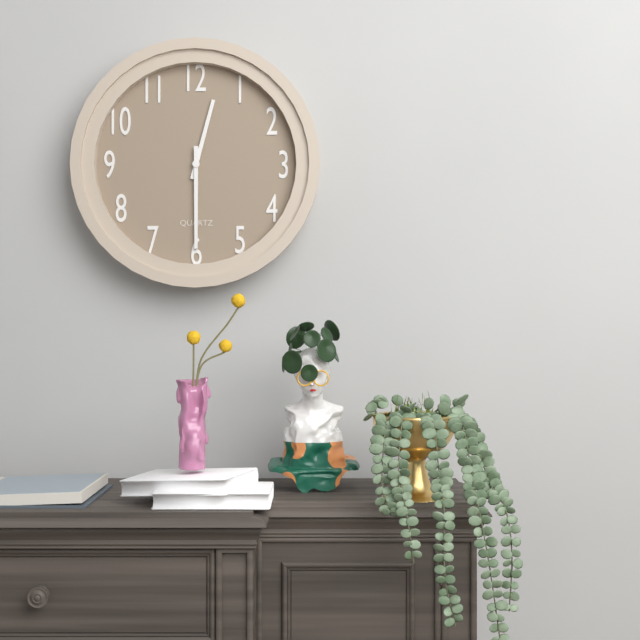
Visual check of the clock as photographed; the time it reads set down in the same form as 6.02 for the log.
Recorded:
12.30
